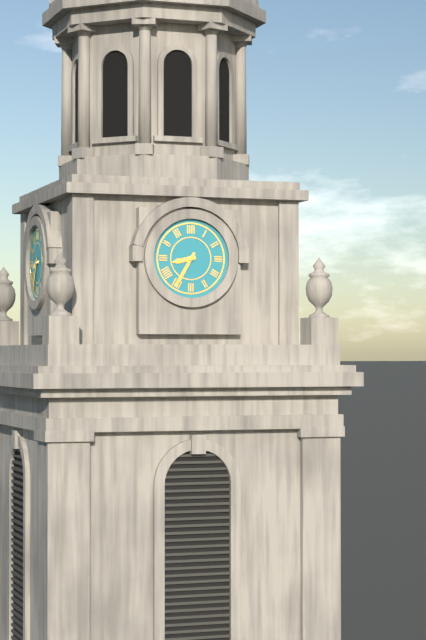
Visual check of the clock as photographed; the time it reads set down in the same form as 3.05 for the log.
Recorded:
8.35
